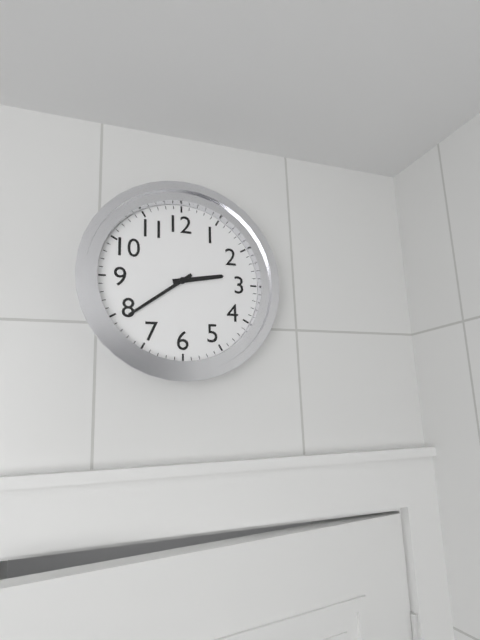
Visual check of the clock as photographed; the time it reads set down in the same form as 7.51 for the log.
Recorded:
2.39
